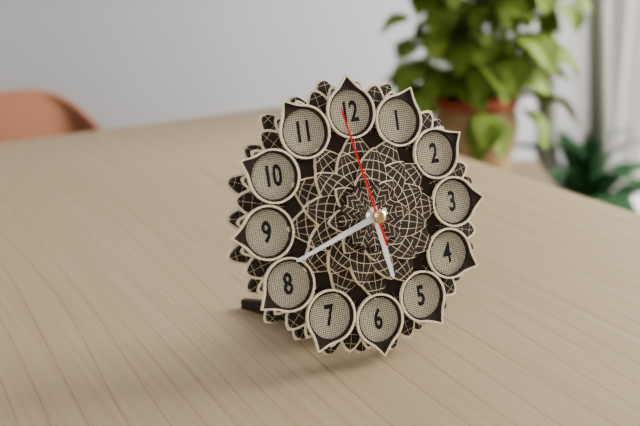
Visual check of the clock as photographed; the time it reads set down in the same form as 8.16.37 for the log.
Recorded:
5.42.58
